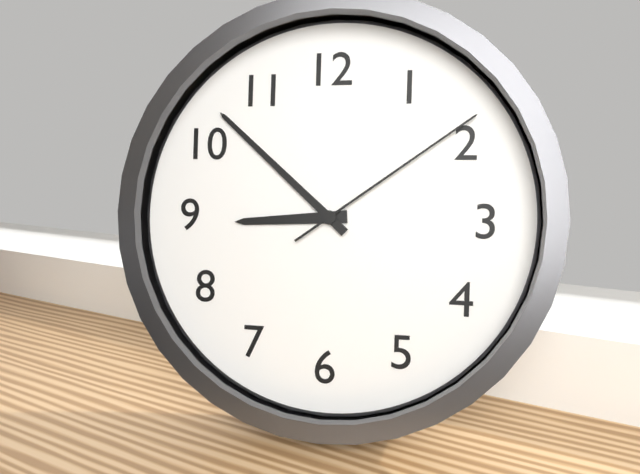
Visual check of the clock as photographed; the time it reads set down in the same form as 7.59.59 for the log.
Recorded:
8.52.09
